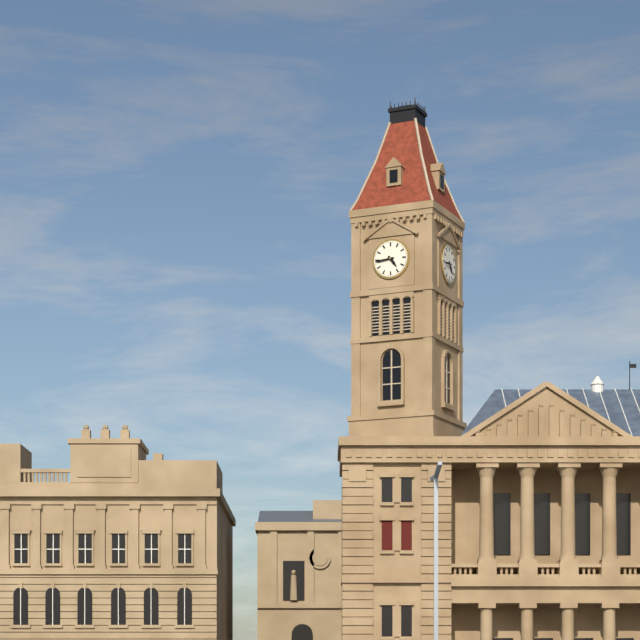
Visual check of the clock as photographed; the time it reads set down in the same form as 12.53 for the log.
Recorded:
4.44
